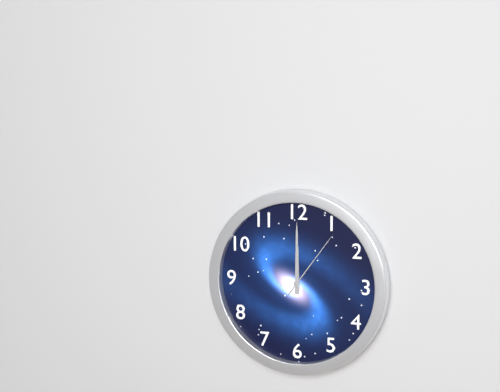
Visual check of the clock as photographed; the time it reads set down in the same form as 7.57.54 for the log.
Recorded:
12.00.06
